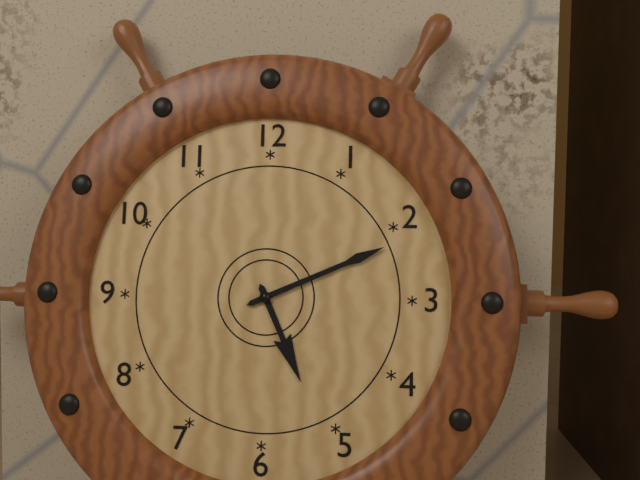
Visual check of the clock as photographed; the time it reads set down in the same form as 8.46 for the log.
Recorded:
5.11
